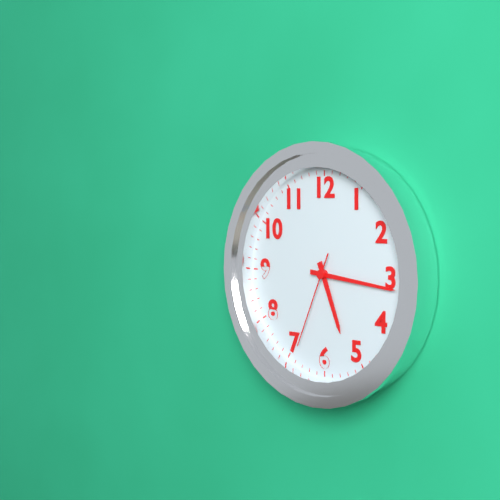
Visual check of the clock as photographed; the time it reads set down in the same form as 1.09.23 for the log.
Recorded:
5.16.34
